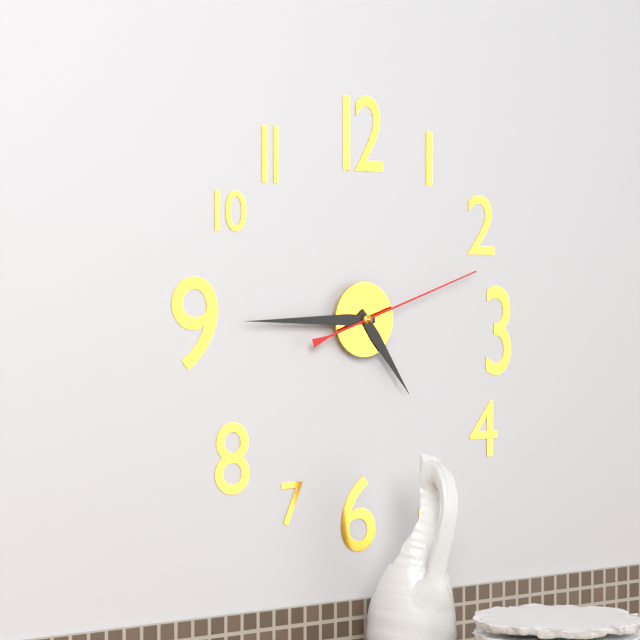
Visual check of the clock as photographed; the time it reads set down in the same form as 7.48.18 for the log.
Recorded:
4.45.12
